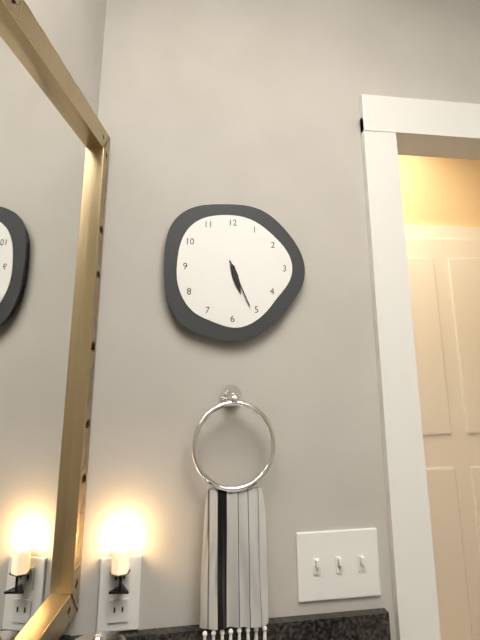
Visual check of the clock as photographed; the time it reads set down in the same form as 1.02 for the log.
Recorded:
5.26
